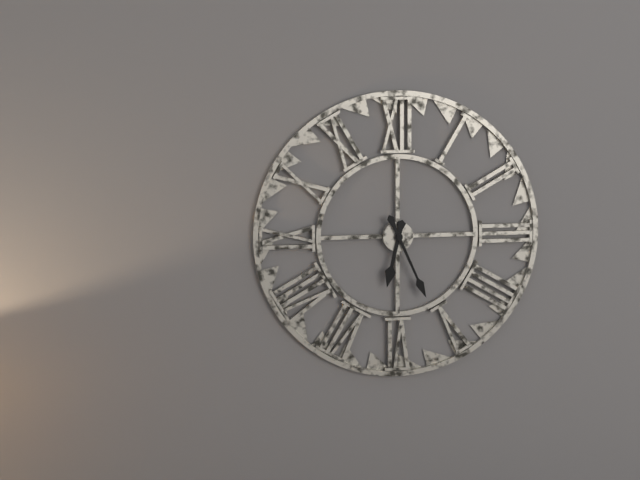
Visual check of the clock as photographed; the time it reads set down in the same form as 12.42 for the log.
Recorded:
6.26
